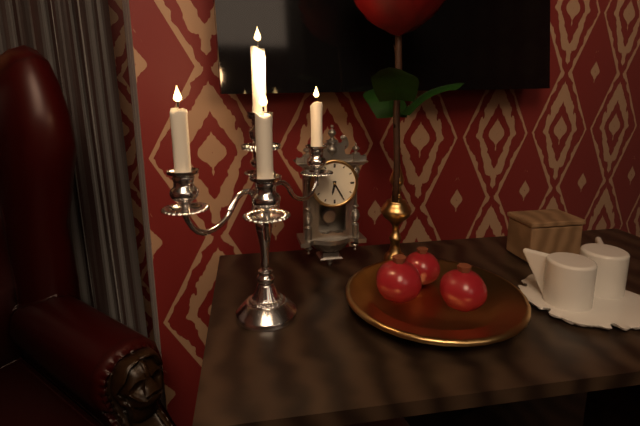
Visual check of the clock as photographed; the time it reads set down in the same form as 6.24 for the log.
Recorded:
6.25
